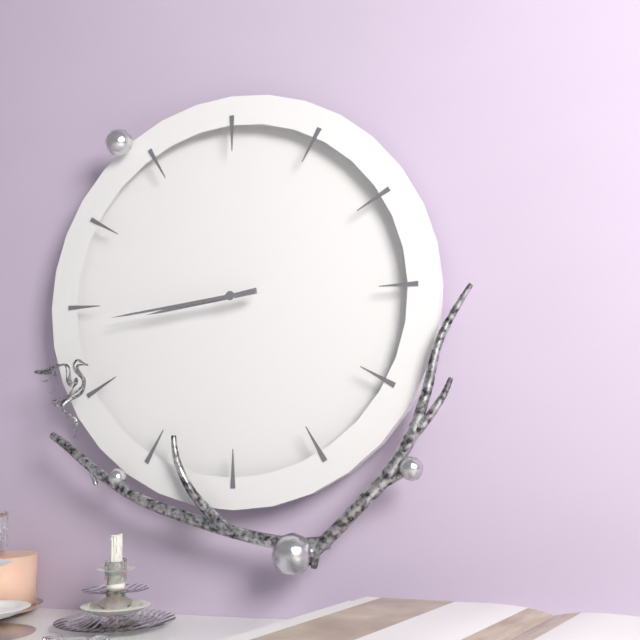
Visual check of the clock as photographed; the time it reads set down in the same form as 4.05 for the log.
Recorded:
8.44
